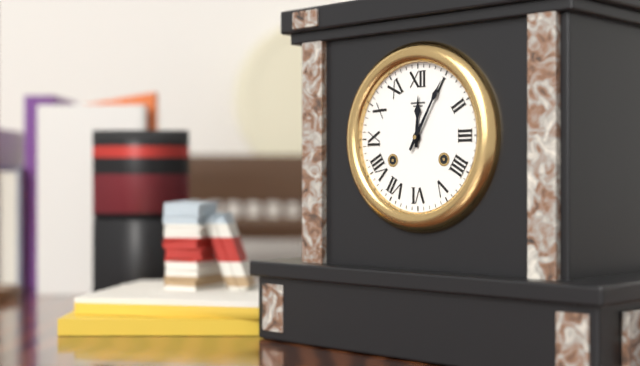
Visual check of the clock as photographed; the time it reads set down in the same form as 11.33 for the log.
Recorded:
12.05
